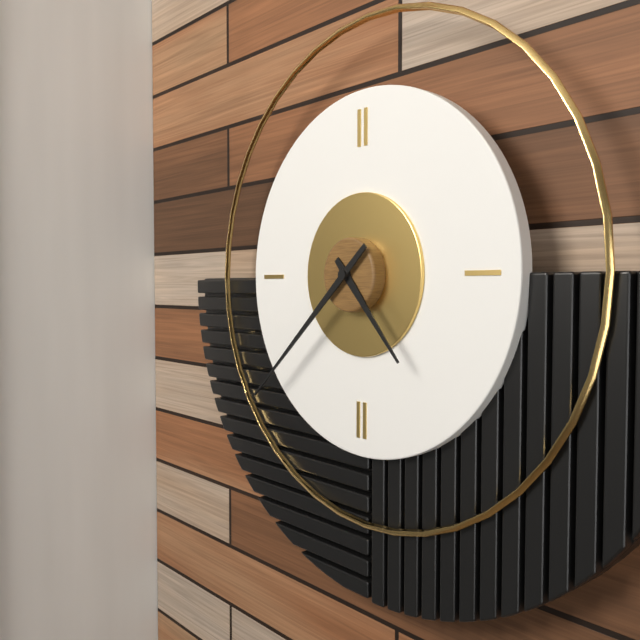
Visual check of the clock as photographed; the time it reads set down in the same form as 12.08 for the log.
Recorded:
4.38
